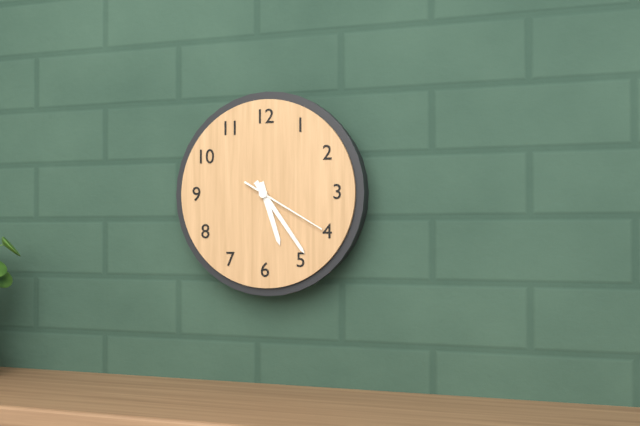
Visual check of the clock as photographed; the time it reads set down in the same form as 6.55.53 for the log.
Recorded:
5.24.20
